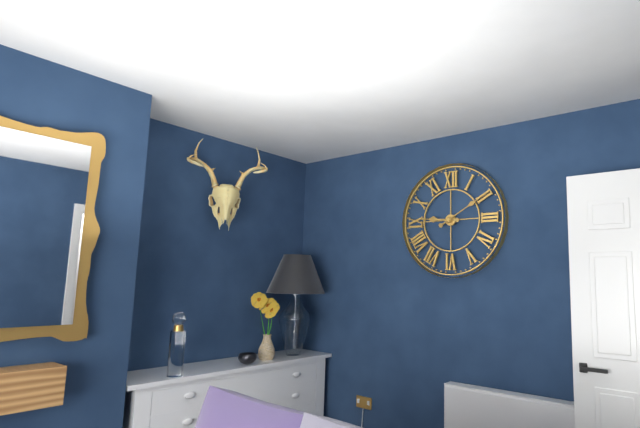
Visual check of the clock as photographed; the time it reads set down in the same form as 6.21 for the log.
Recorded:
9.10
